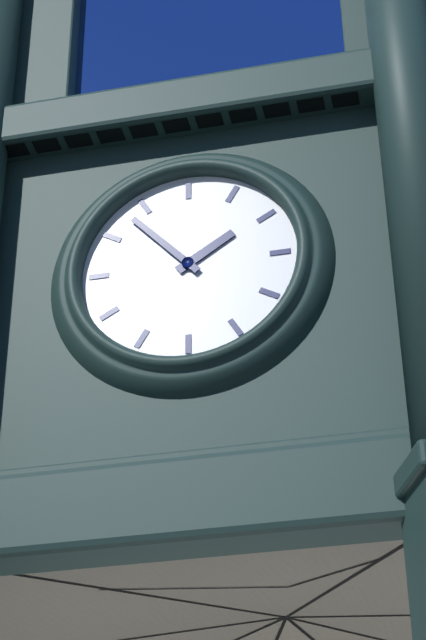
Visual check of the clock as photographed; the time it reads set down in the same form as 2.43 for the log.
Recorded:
1.53
